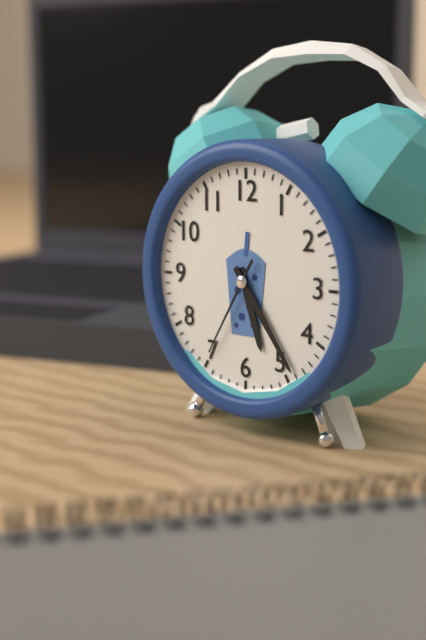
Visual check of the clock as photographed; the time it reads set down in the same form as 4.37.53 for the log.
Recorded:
5.24.35
